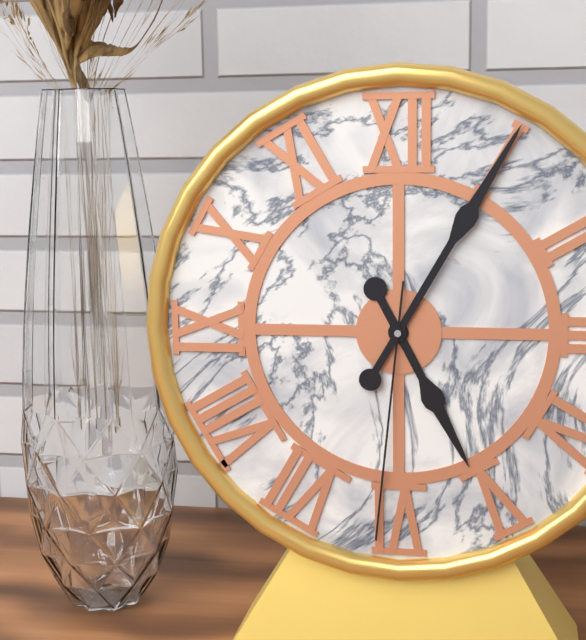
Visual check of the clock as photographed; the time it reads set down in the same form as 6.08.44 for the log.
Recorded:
5.05.31
